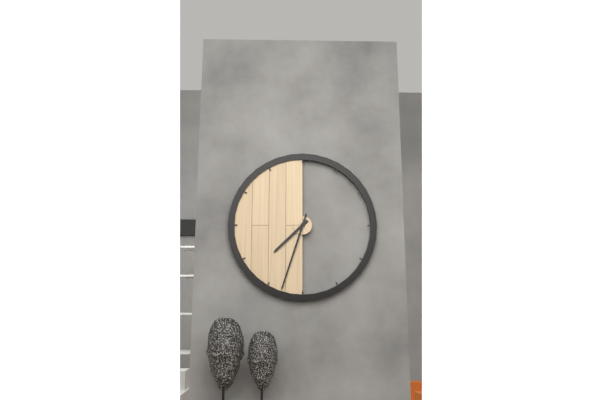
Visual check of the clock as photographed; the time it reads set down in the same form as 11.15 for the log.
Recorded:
7.33
